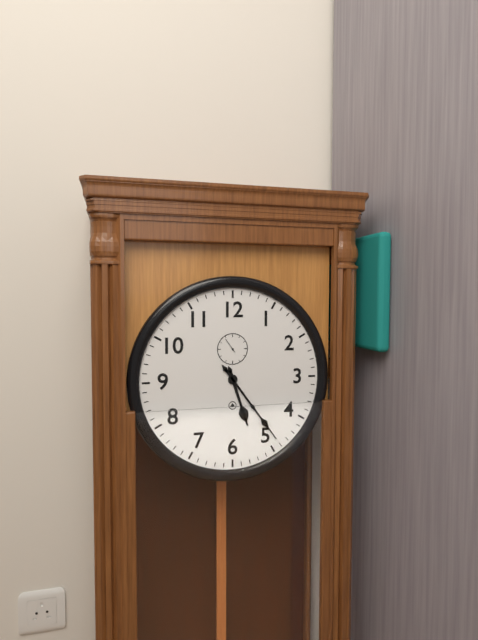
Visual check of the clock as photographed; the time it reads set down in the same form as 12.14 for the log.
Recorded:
5.24
